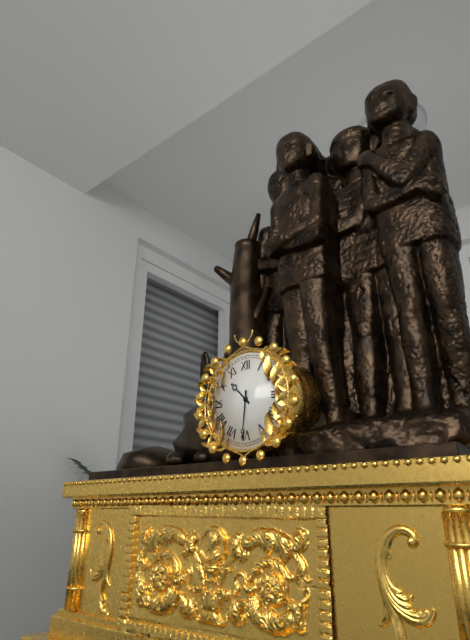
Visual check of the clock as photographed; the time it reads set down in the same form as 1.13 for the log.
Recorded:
10.31
